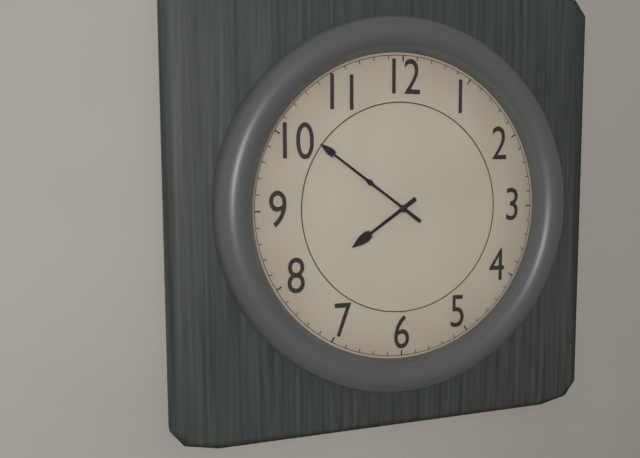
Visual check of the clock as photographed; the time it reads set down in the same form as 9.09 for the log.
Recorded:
7.51
